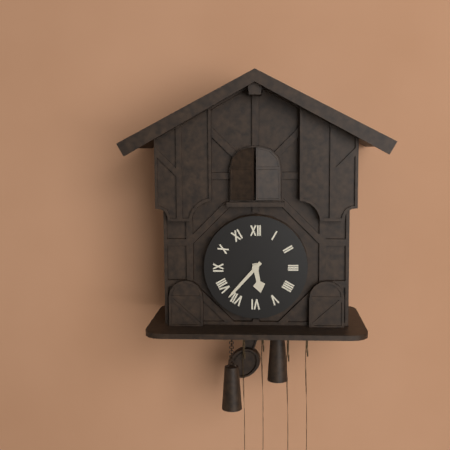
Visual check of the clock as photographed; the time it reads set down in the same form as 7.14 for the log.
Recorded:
5.37
